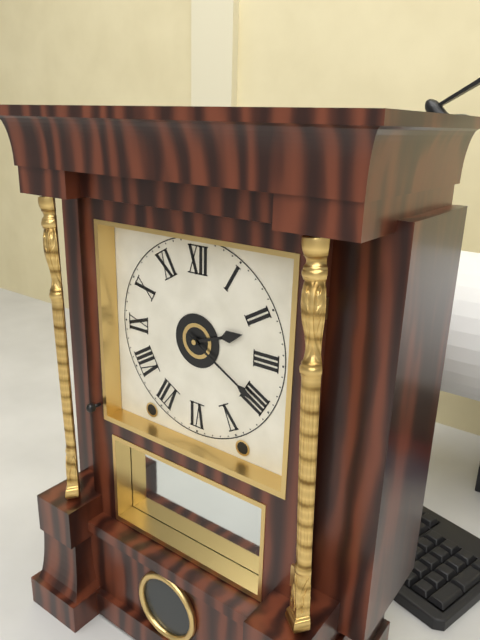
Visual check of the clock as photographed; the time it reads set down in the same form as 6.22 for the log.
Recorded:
2.20
